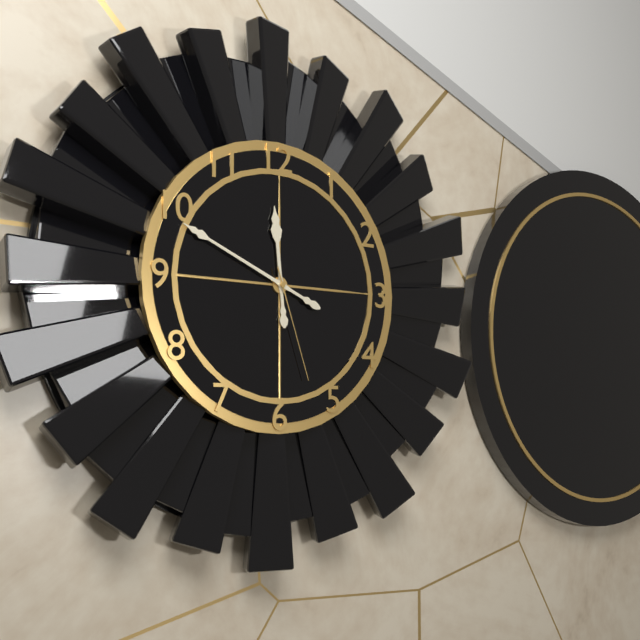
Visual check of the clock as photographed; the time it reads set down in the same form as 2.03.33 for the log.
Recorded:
11.49.27
